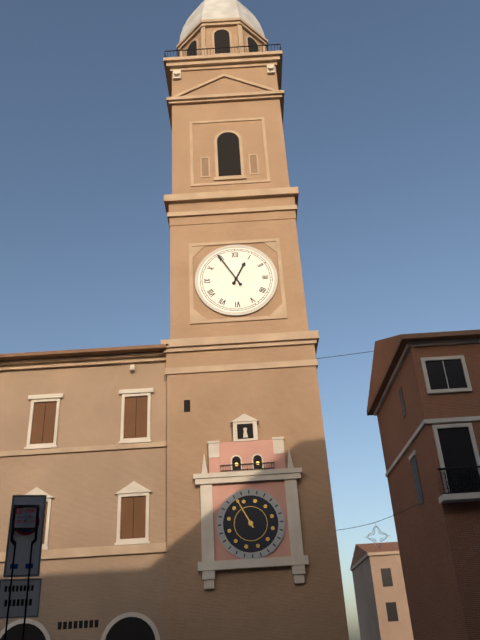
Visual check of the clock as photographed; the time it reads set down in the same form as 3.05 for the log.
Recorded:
12.55
